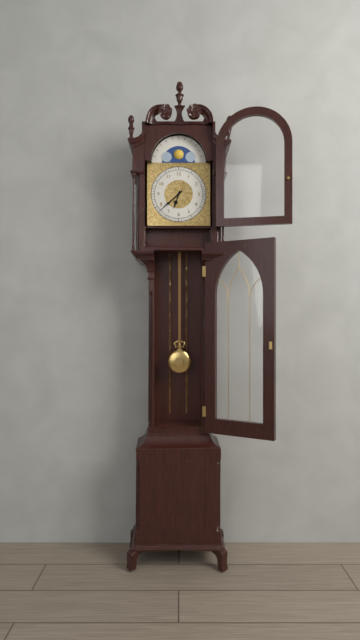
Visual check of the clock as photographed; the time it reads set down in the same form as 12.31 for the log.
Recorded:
6.38
